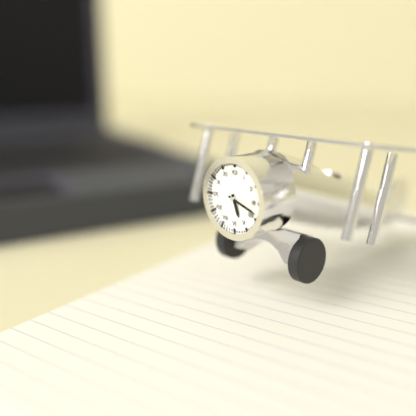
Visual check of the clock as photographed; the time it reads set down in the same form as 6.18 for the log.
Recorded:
5.18
